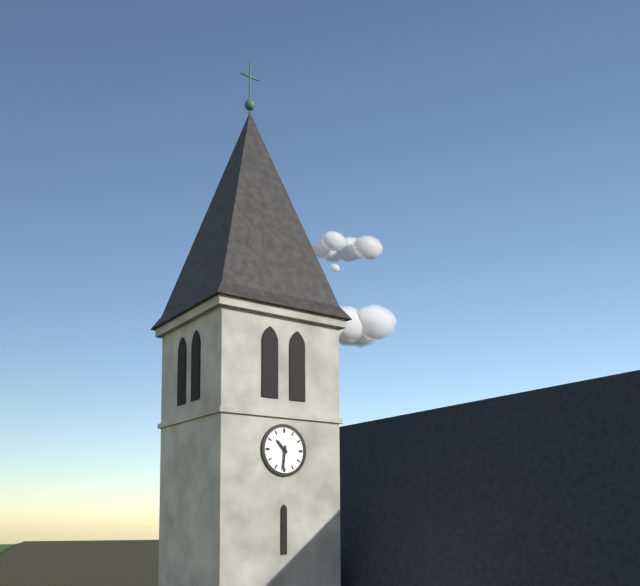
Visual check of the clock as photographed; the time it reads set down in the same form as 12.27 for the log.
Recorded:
10.31
